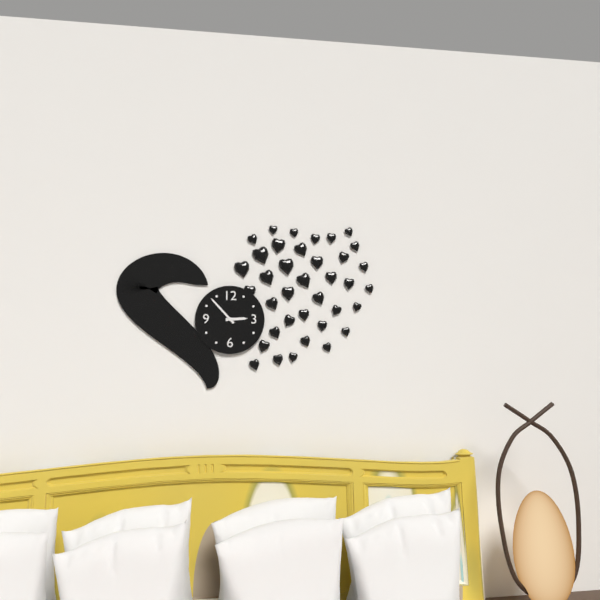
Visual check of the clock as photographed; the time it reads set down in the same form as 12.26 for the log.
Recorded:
2.53
